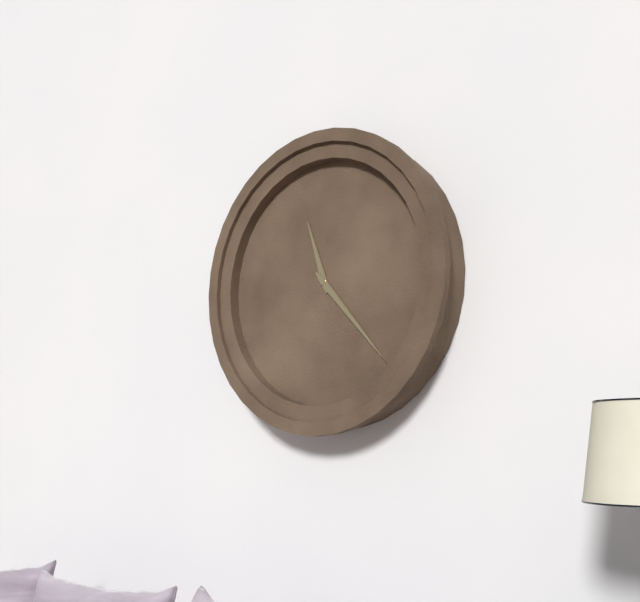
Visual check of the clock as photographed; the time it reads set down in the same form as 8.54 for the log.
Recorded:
11.23
